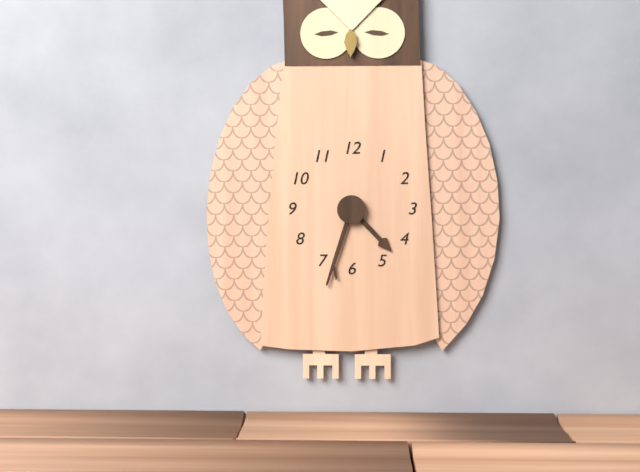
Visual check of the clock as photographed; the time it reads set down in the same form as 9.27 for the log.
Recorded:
4.33
